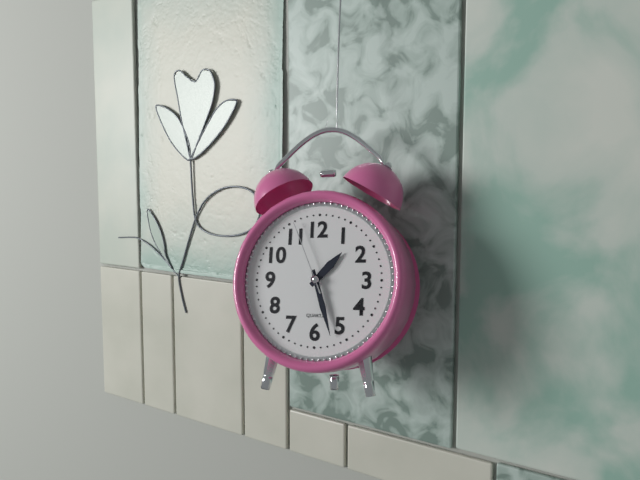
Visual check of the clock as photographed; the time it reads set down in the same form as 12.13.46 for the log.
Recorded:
1.27.56
